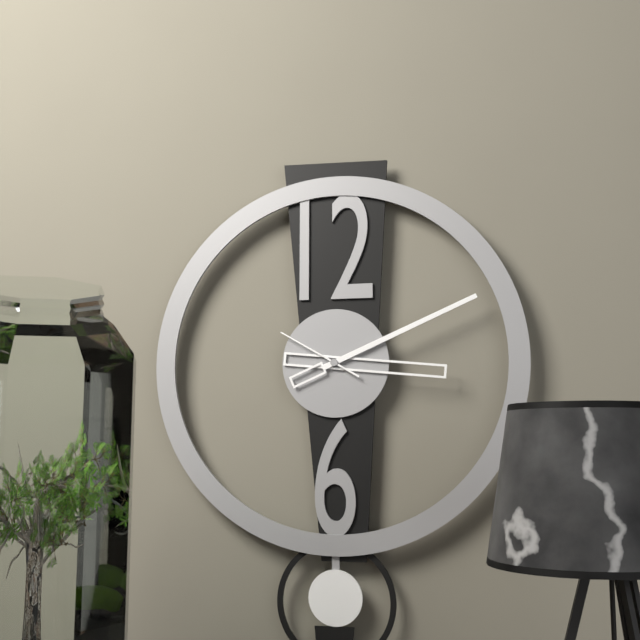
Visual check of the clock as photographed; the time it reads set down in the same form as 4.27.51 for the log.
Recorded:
3.11.50
